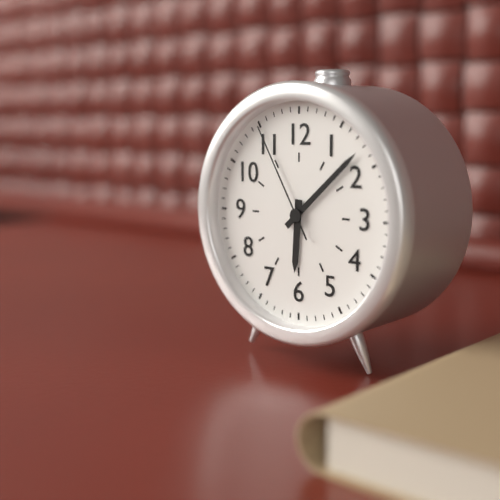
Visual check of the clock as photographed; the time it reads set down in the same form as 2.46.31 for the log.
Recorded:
6.08.55
